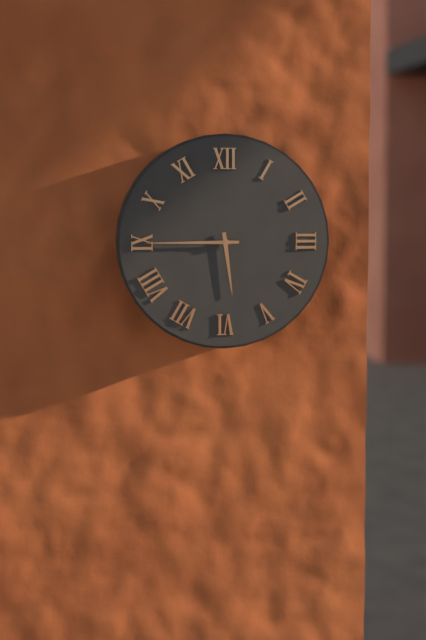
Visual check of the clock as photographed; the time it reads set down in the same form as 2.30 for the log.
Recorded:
5.45
